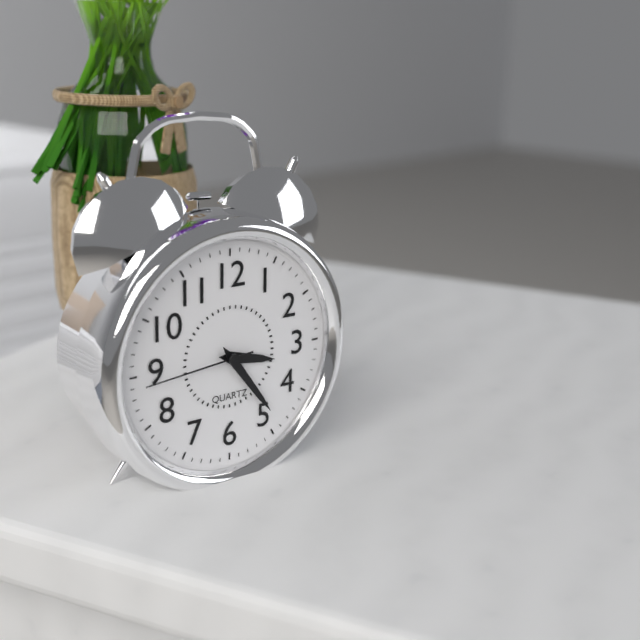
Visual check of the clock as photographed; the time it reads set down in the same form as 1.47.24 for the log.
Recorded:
3.24.44
